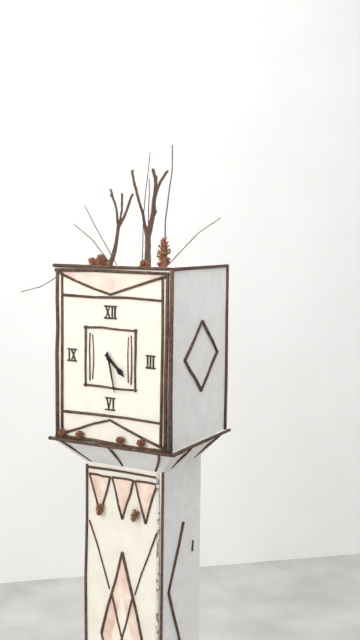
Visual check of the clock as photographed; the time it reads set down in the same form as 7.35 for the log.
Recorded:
4.28
